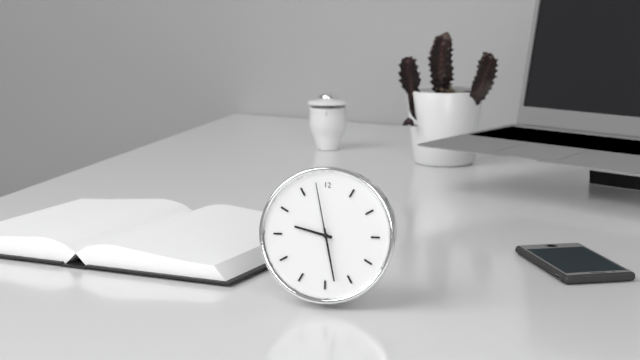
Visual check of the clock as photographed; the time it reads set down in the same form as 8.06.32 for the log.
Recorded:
9.28.58
